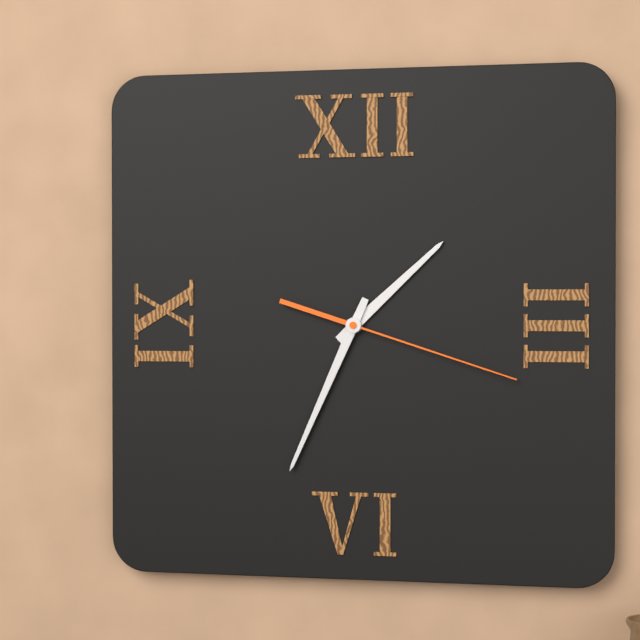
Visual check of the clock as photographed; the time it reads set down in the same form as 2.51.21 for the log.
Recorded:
1.34.18
